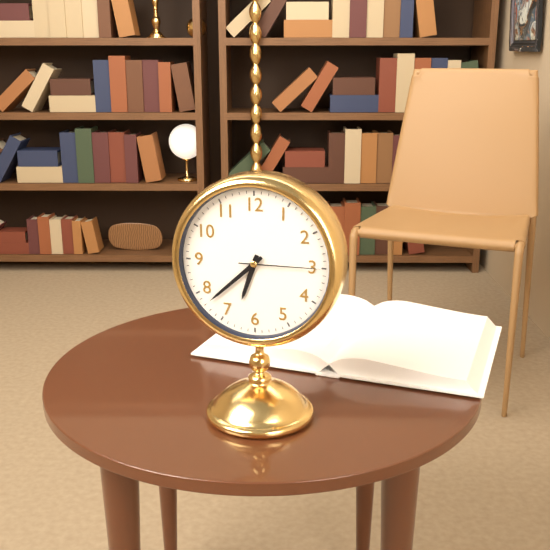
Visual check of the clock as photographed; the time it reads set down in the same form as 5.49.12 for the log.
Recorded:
6.38.15
